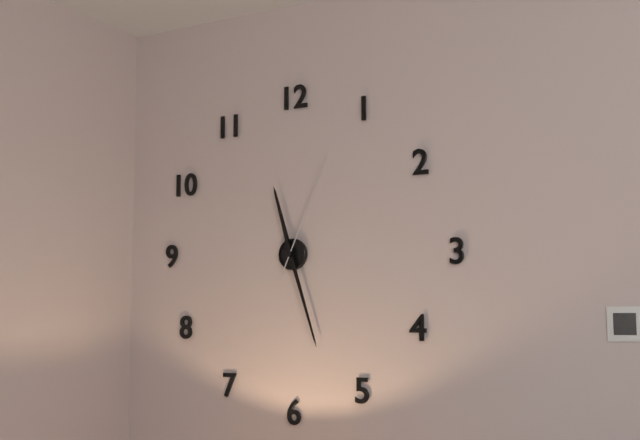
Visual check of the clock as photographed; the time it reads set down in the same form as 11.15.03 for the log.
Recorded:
11.27.04
